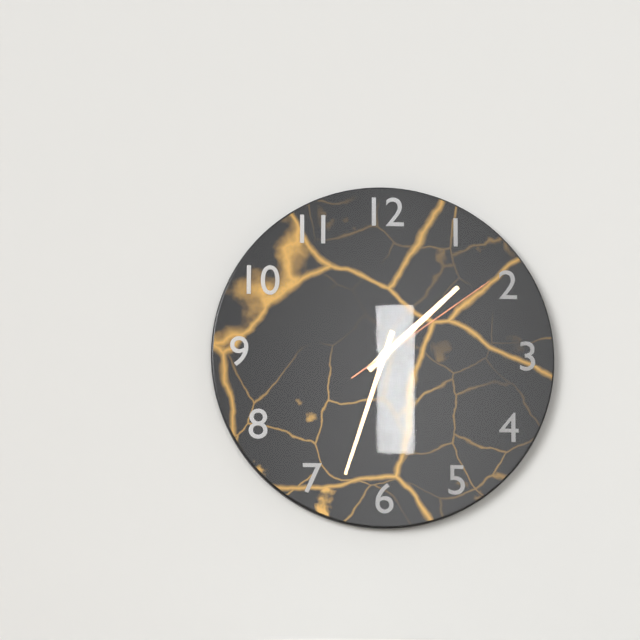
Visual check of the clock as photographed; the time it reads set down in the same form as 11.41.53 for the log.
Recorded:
1.33.09
